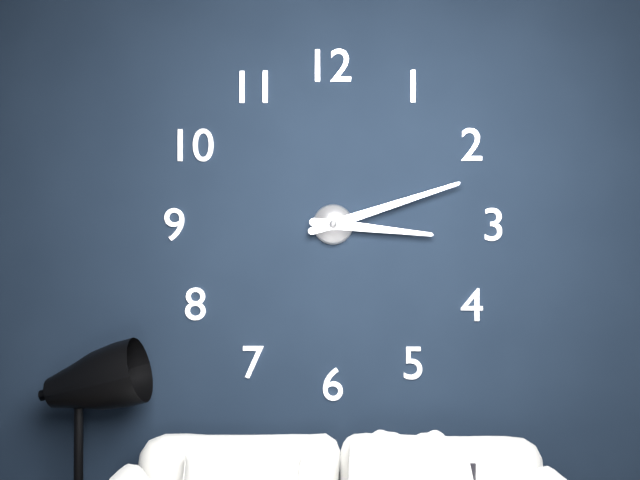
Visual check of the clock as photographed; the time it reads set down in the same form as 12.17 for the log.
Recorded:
3.12
